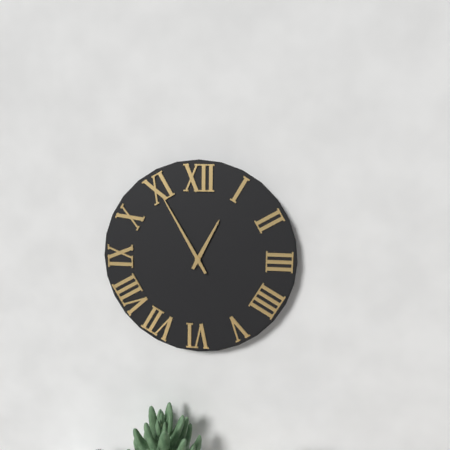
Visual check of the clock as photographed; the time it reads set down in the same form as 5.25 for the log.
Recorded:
12.55
